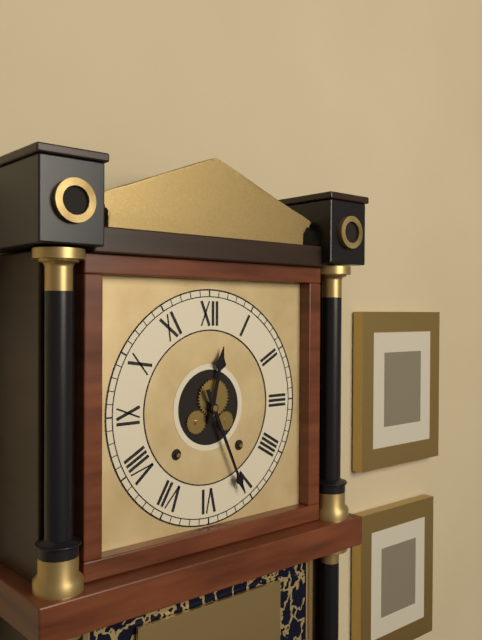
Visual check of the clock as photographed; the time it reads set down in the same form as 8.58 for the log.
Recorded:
12.26
